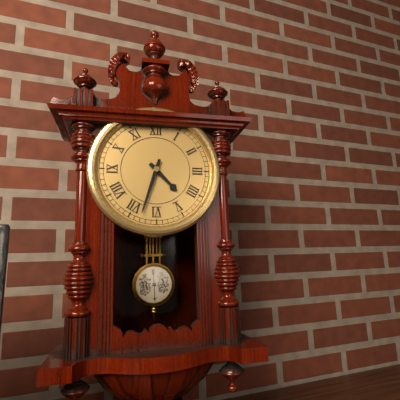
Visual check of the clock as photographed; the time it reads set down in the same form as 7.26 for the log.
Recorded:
4.33
